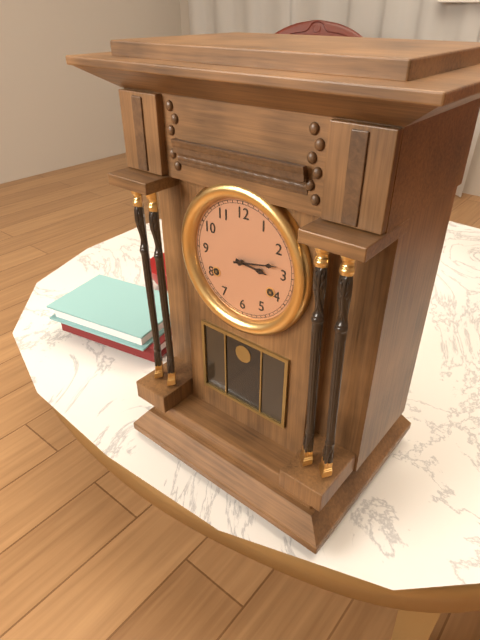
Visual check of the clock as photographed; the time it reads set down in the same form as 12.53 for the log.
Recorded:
3.13
